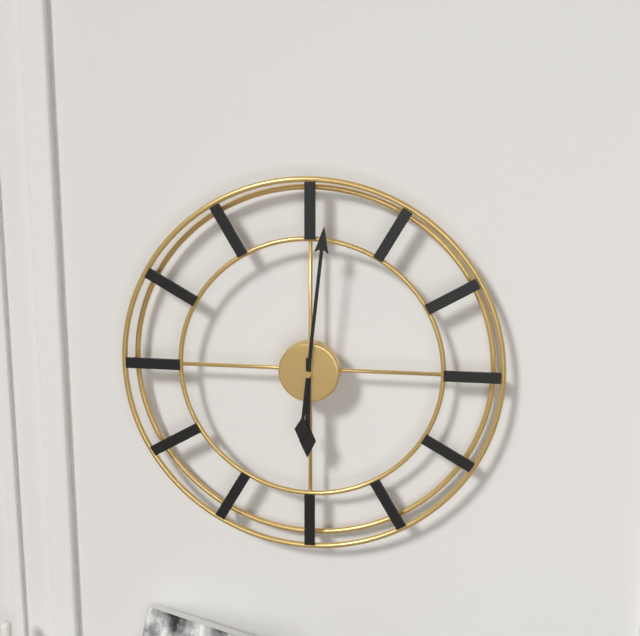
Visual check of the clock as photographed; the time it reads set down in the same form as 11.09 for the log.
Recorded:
6.01
